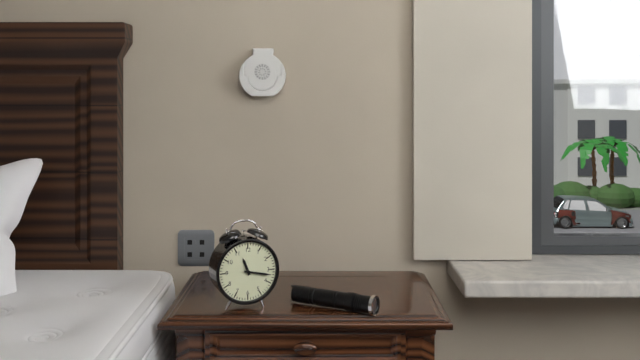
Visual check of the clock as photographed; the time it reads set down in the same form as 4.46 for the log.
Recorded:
11.17
